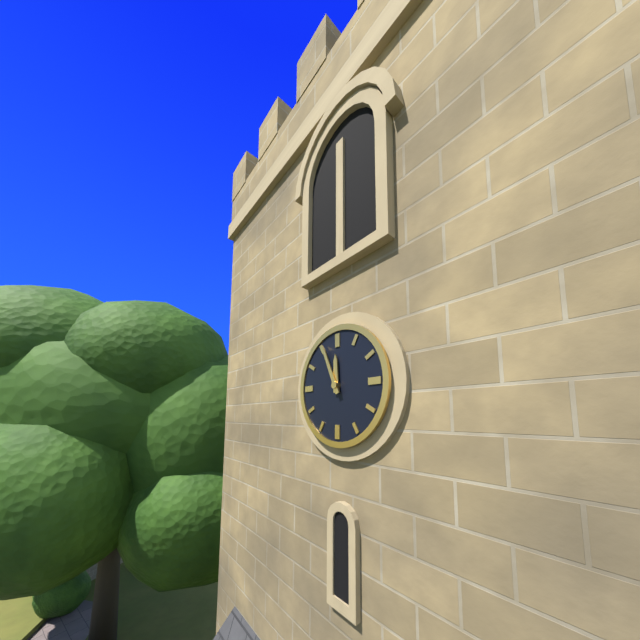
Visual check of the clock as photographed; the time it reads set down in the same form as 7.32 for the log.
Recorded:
11.56
